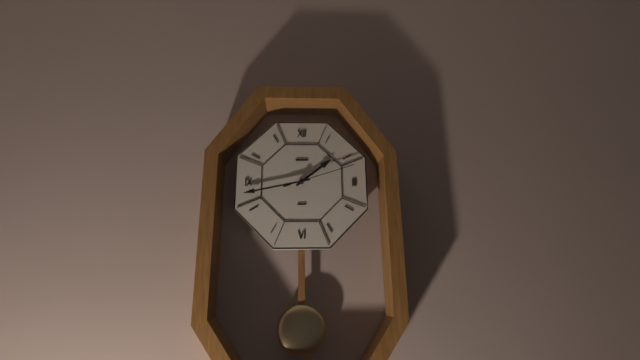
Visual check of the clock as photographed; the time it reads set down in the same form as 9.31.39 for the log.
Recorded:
1.43.12
